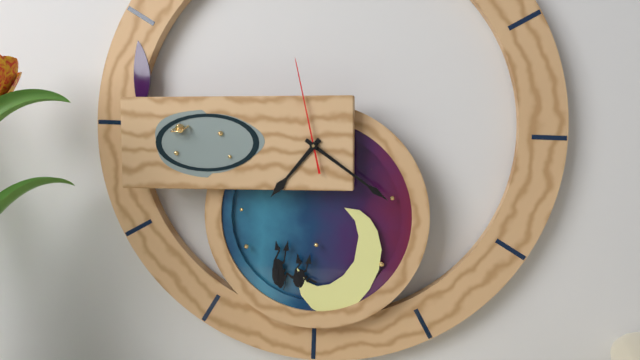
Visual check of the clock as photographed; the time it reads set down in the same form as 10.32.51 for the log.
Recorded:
7.21.58
